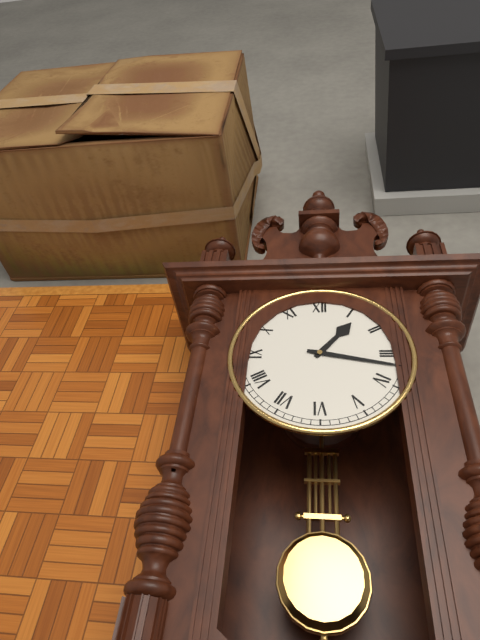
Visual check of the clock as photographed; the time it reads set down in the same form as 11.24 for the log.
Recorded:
1.17
